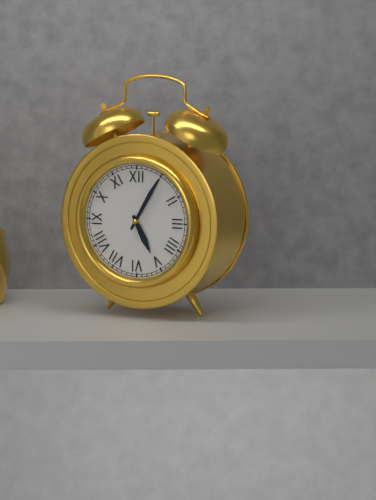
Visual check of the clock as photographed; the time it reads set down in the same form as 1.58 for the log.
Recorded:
5.05
